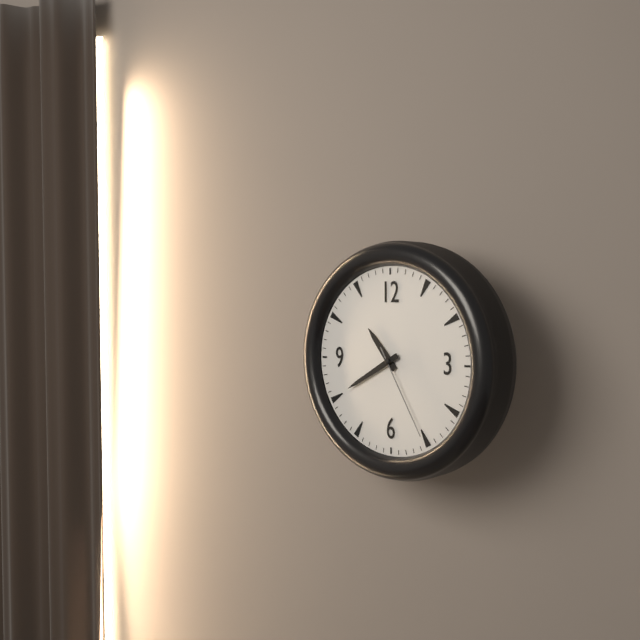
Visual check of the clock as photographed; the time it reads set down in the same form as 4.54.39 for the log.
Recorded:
10.40.25
